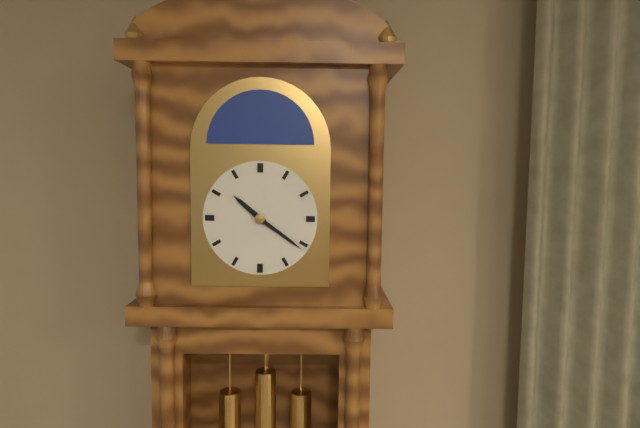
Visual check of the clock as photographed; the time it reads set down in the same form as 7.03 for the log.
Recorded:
10.21
